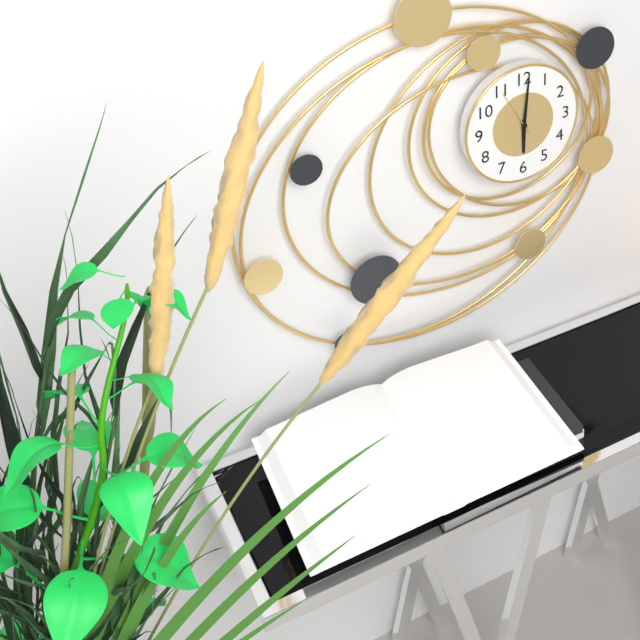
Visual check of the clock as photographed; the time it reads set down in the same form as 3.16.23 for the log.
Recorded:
6.01.55
